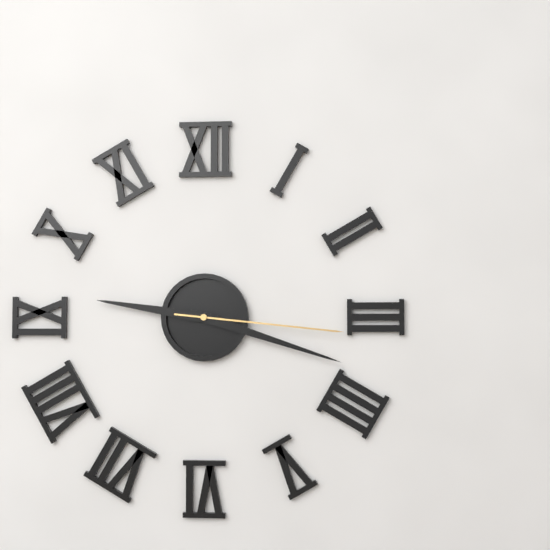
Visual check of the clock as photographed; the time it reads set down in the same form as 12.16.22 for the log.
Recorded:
9.18.16
